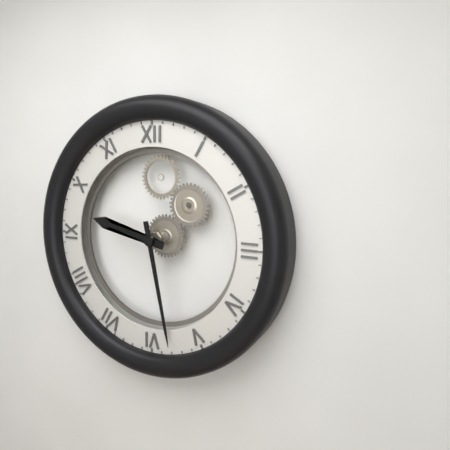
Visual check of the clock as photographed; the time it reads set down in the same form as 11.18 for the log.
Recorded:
9.28
